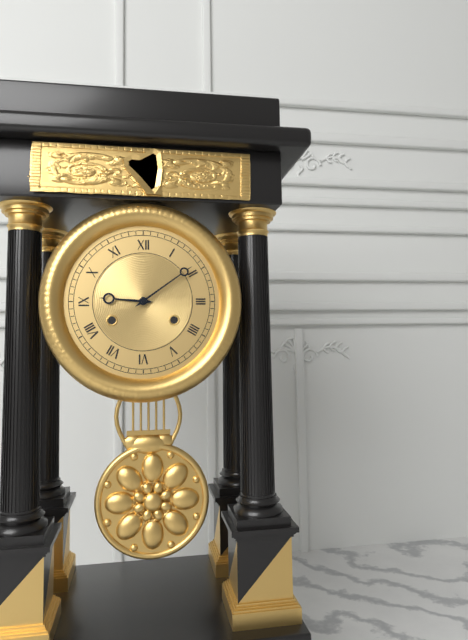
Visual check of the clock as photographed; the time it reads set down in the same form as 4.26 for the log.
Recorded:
9.09
